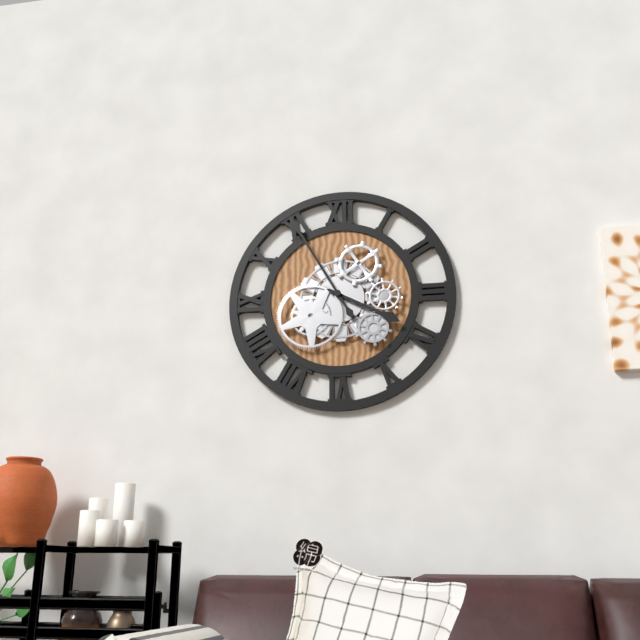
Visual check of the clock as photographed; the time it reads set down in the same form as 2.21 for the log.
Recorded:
3.55
